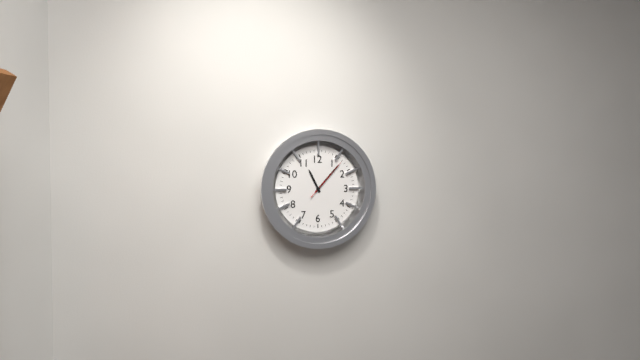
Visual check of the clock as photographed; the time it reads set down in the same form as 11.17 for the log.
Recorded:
11.07
